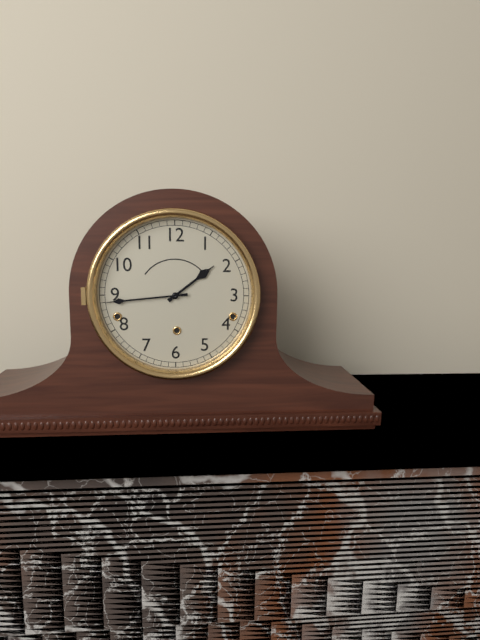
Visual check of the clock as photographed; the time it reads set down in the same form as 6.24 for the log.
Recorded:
1.44
